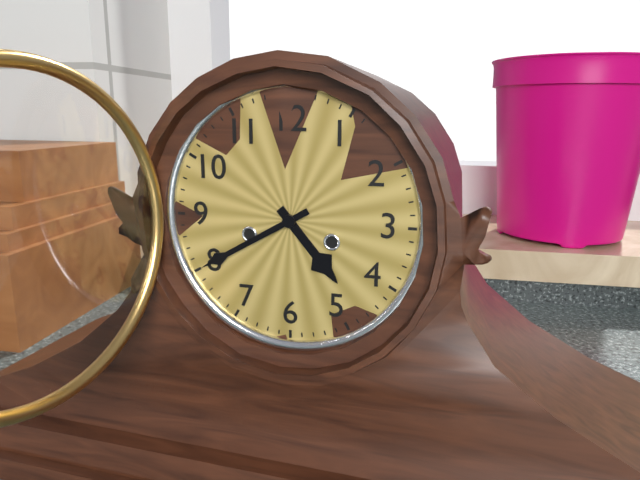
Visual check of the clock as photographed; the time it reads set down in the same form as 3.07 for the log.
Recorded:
4.40
